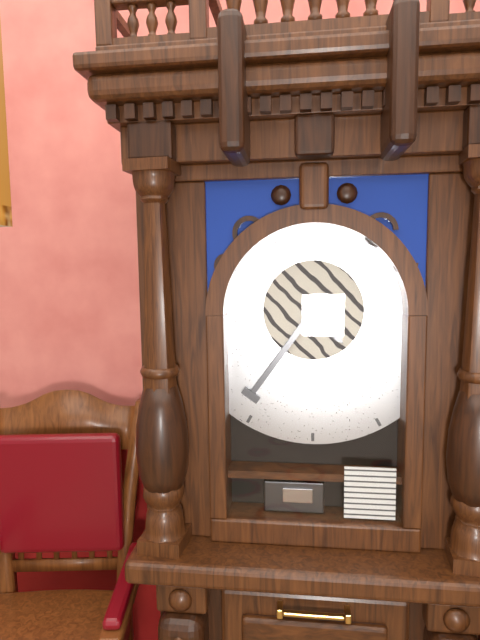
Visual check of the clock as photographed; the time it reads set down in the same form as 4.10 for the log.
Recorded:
4.36
